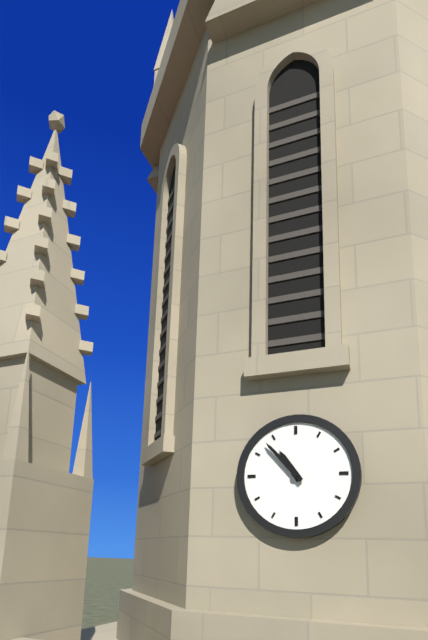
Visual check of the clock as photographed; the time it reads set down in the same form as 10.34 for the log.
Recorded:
10.53
